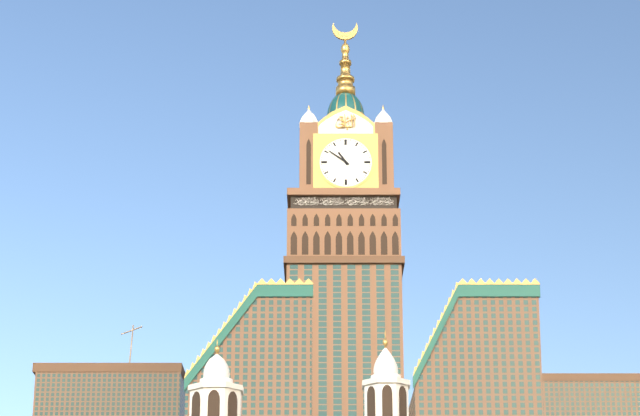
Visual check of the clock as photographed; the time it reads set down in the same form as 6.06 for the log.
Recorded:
10.51
